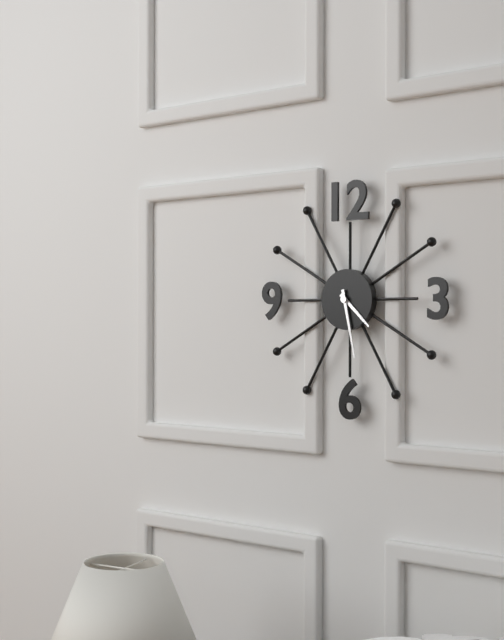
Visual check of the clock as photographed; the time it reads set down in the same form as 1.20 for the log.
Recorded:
4.28
